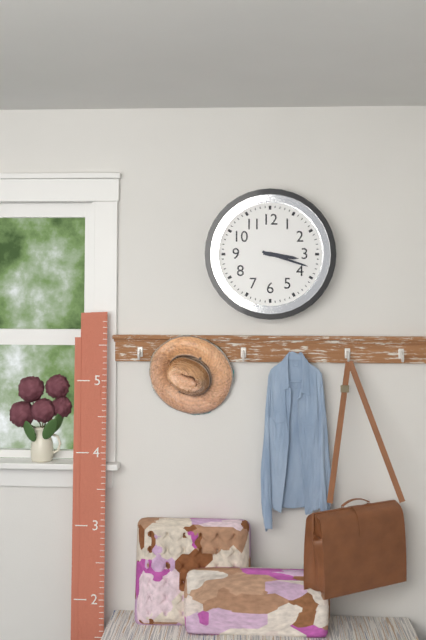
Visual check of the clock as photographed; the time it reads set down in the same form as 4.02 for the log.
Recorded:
3.18
